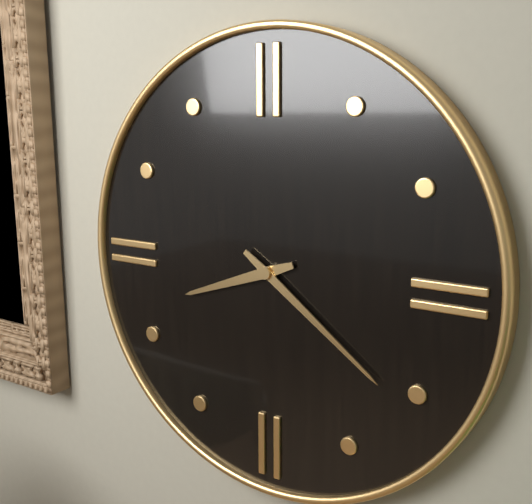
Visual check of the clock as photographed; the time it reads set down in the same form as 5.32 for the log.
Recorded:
8.21
